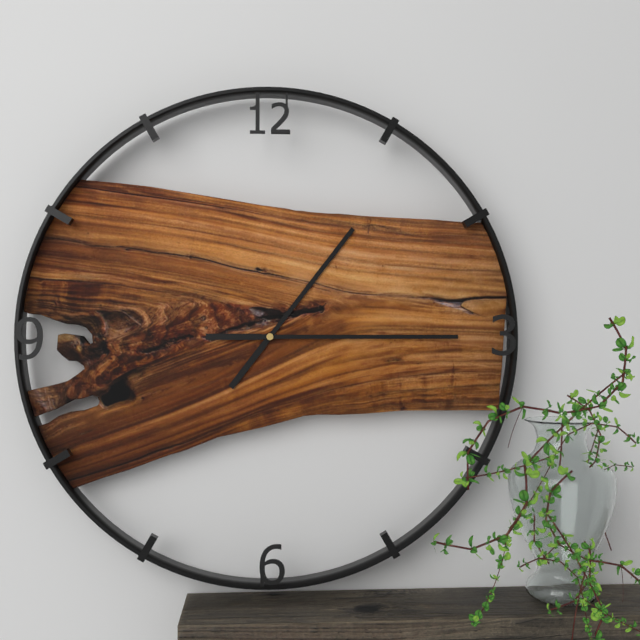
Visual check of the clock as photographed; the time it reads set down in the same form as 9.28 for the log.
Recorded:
1.15
